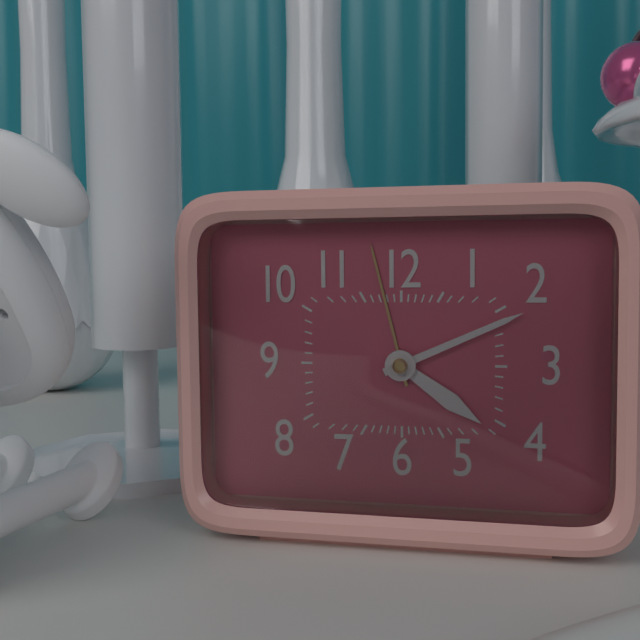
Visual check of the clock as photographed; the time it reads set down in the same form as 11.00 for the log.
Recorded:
4.11
